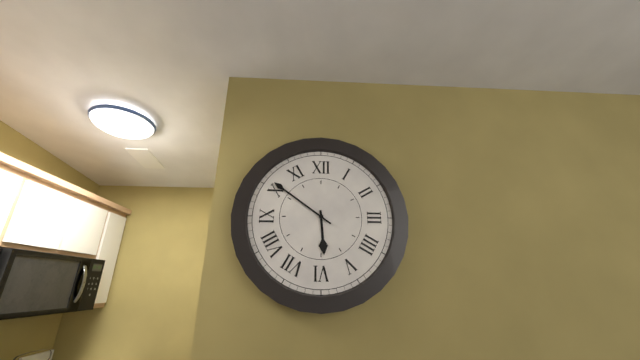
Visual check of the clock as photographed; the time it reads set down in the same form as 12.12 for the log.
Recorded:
5.51
